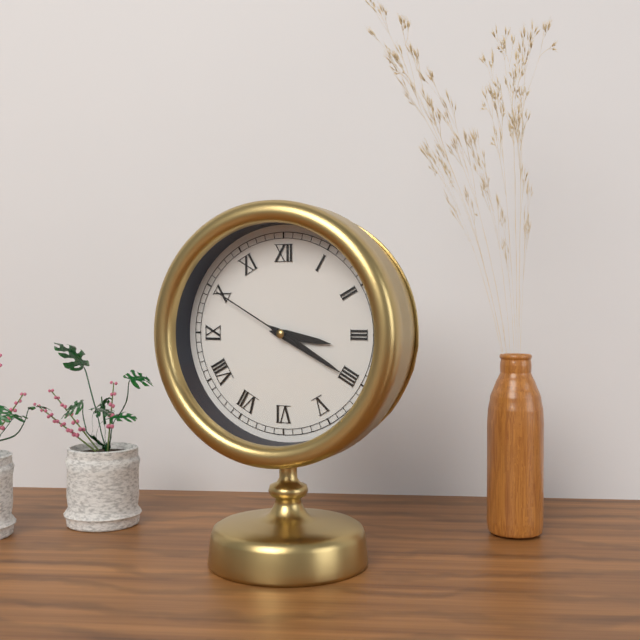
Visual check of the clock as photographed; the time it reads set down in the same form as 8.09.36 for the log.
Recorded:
3.20.50
